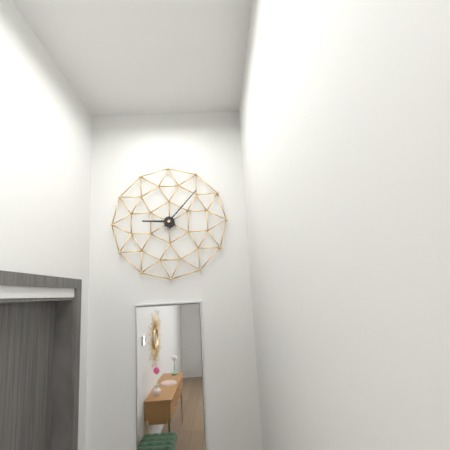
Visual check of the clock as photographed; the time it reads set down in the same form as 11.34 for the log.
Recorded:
9.07
